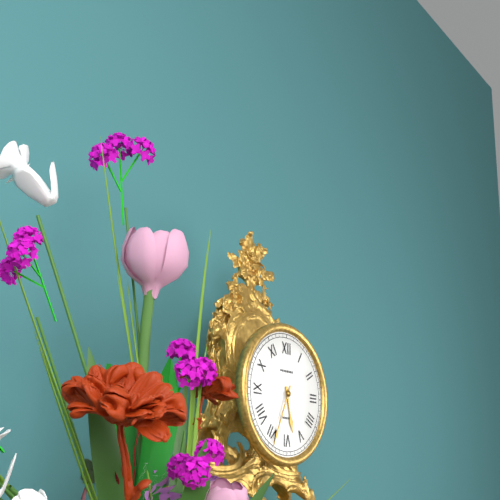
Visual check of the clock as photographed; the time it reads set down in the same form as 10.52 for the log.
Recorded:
5.34
